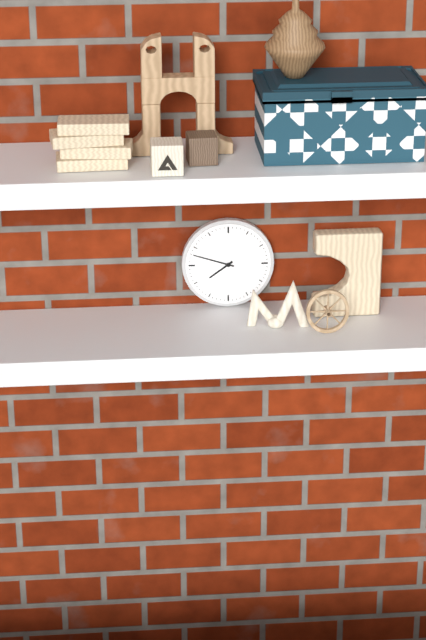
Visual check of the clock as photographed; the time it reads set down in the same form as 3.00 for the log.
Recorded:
7.48
